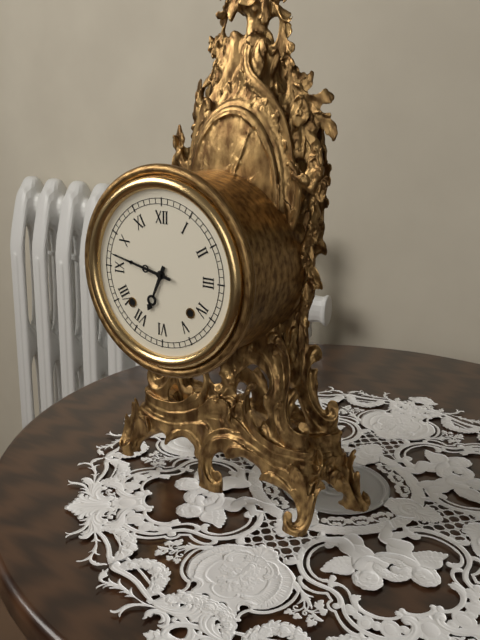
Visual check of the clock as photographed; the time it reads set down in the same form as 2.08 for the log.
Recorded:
6.47
